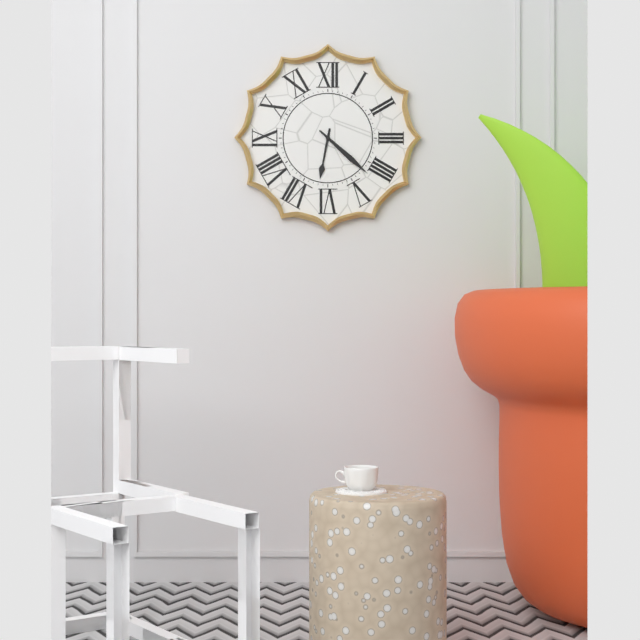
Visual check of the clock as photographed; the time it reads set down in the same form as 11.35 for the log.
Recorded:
6.22
